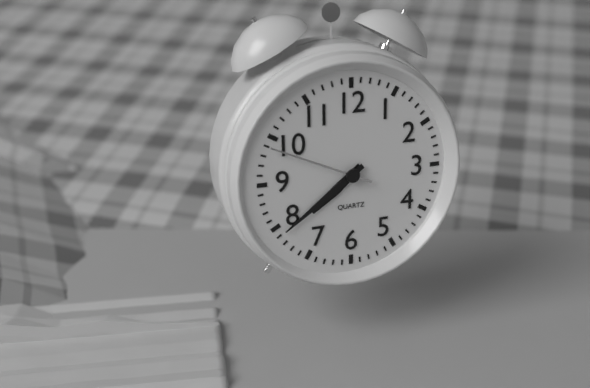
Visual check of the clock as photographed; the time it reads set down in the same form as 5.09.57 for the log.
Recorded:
7.39.49
